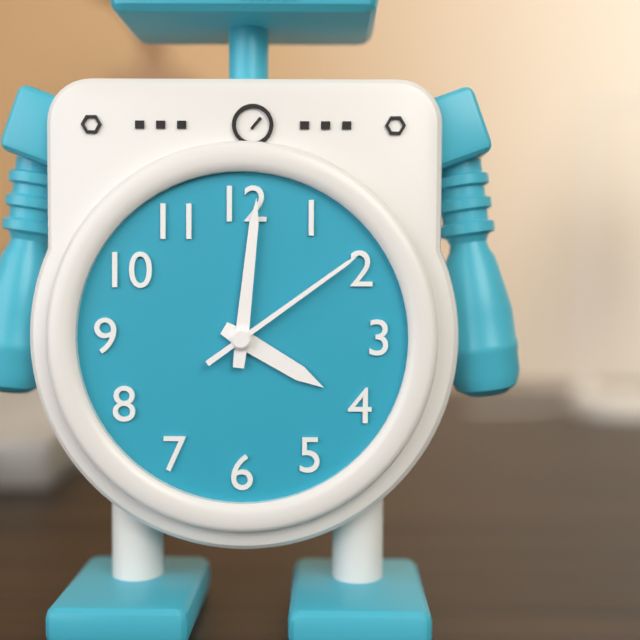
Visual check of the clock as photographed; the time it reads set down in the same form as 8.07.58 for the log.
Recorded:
4.01.09
